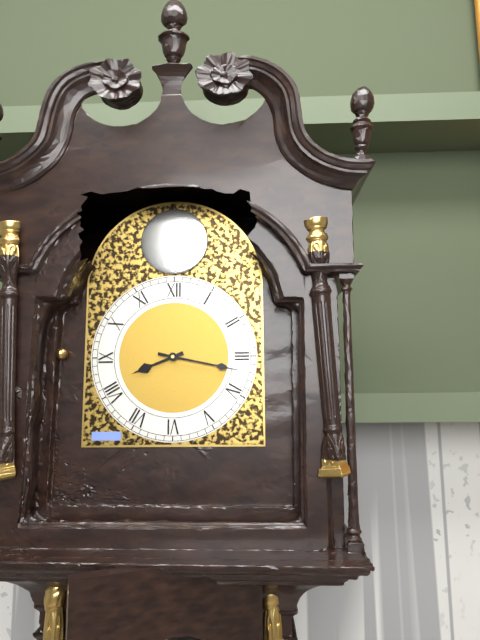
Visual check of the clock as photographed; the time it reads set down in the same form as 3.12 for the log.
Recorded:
8.17
